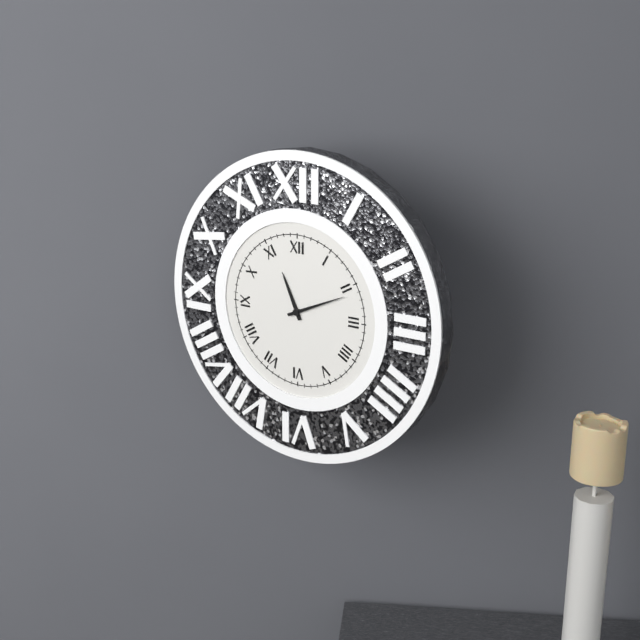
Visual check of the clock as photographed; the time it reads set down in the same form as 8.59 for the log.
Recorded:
11.11
